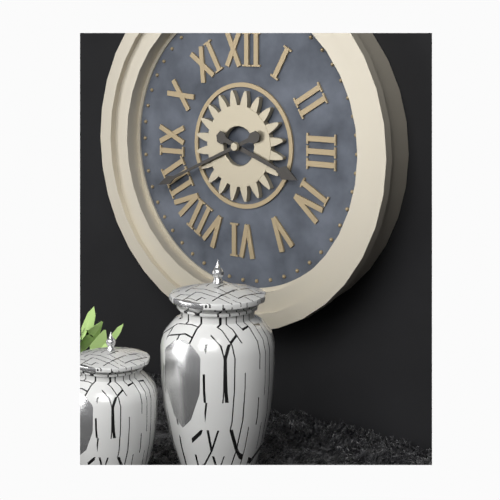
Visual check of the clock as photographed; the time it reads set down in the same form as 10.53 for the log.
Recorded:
3.41
